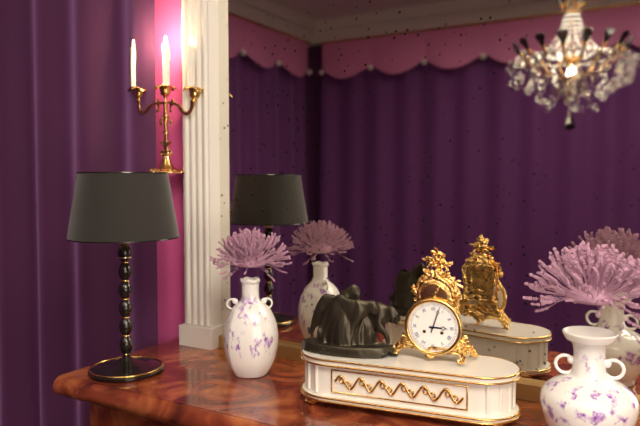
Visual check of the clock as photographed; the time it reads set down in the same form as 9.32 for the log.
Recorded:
3.03
